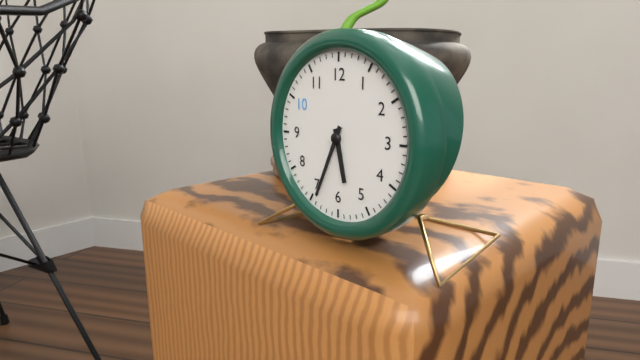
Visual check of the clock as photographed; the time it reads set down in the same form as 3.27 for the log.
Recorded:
5.34
